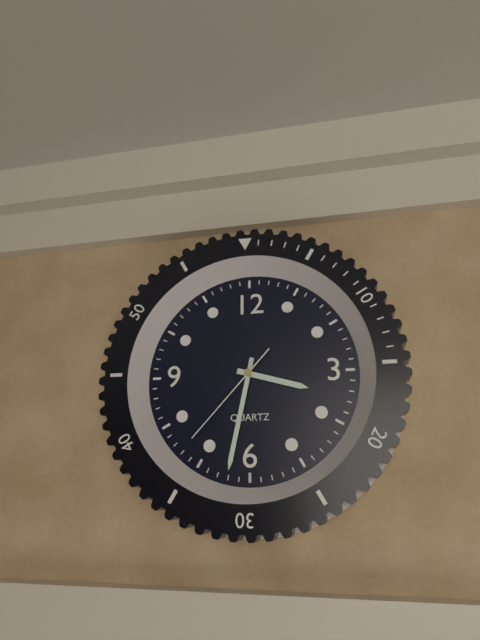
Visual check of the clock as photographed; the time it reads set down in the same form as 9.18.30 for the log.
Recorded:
3.32.37
